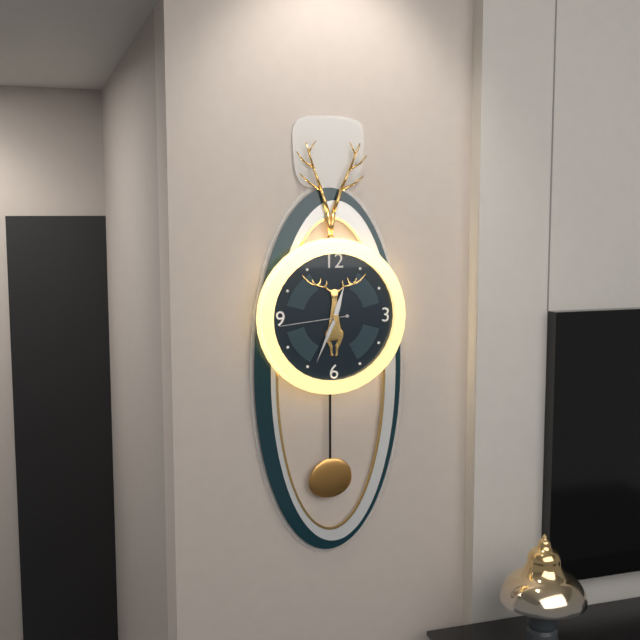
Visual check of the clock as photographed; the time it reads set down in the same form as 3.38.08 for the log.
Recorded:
12.34.44
